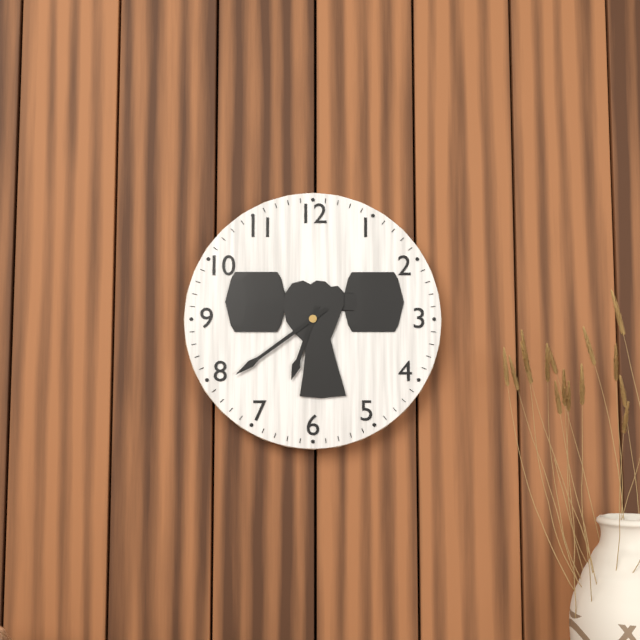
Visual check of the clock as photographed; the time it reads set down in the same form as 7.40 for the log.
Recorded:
6.39
